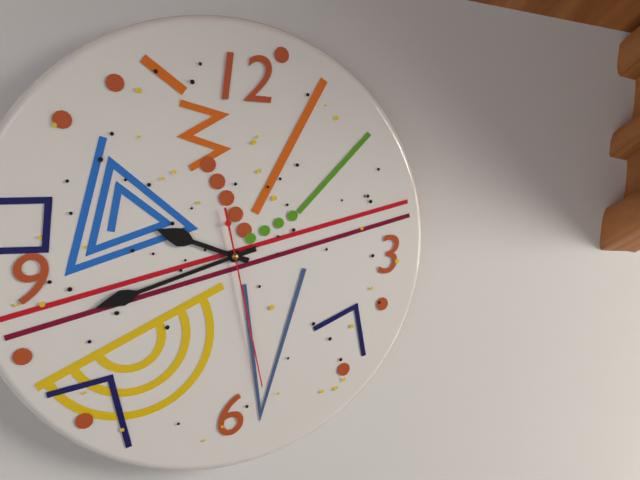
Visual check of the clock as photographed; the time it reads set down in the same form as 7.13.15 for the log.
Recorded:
9.42.28
